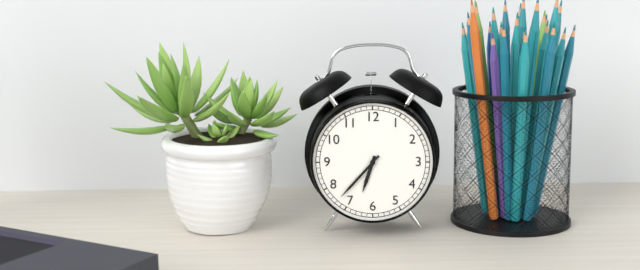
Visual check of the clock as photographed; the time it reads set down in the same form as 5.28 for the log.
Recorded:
6.37
